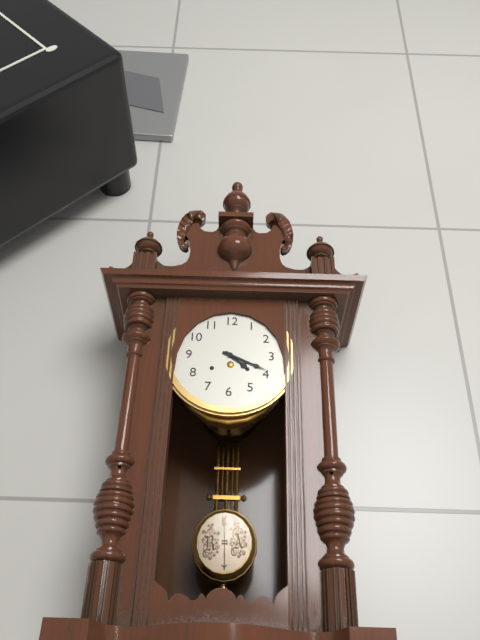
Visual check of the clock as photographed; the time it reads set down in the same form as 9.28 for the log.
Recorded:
4.19
